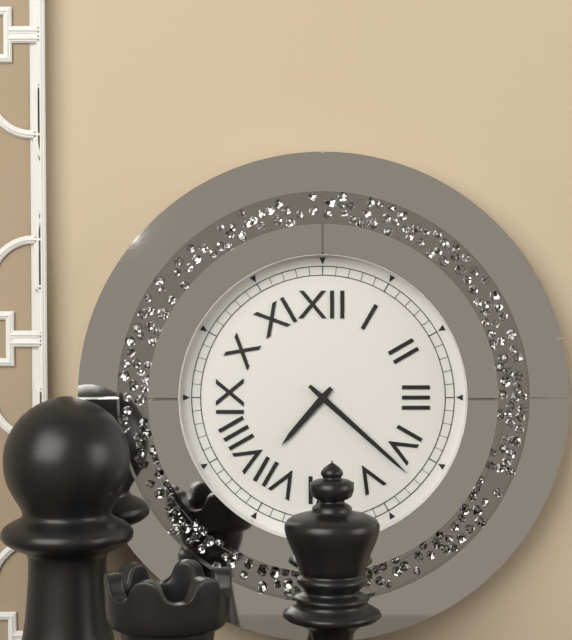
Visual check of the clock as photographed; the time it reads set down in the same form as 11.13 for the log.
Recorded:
7.22
